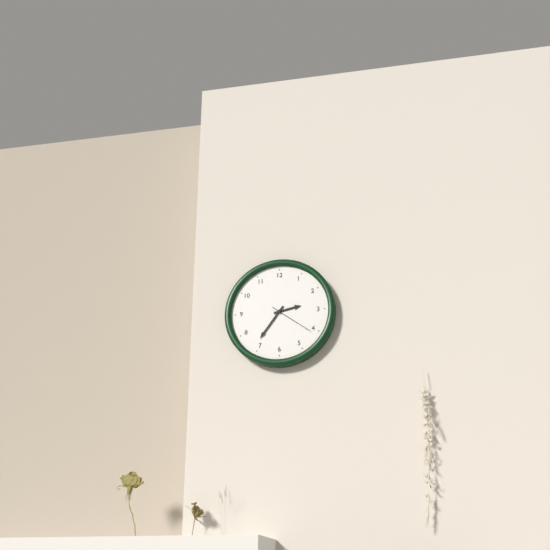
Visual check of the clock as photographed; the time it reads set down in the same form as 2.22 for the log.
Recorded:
2.36
